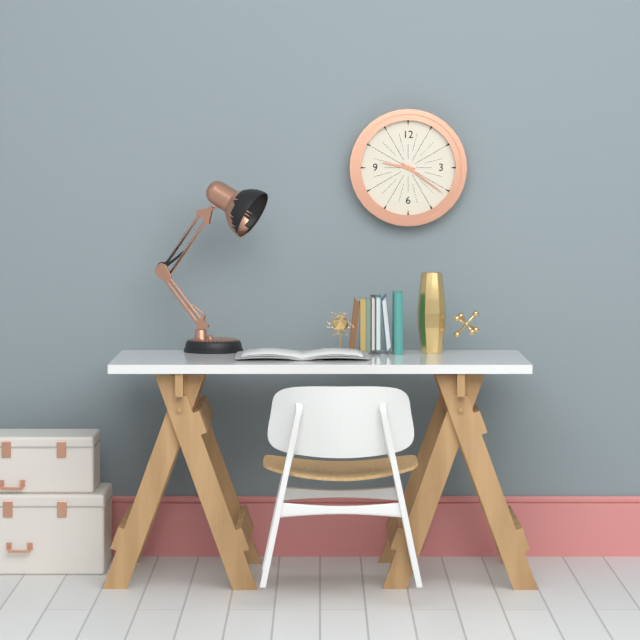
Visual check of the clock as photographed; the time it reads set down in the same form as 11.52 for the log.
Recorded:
9.21
